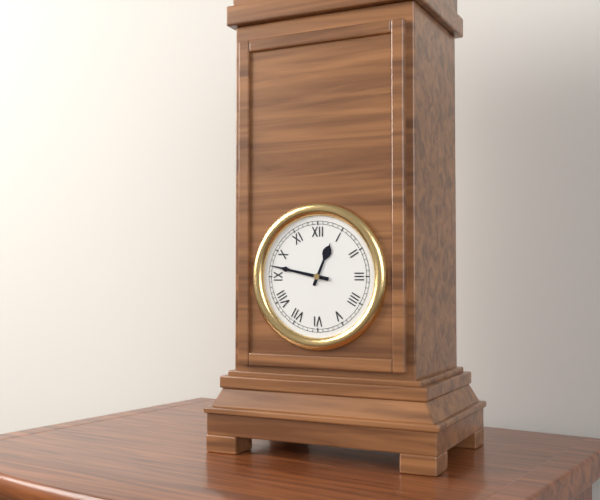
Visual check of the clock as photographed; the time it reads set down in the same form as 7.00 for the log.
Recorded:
12.47
